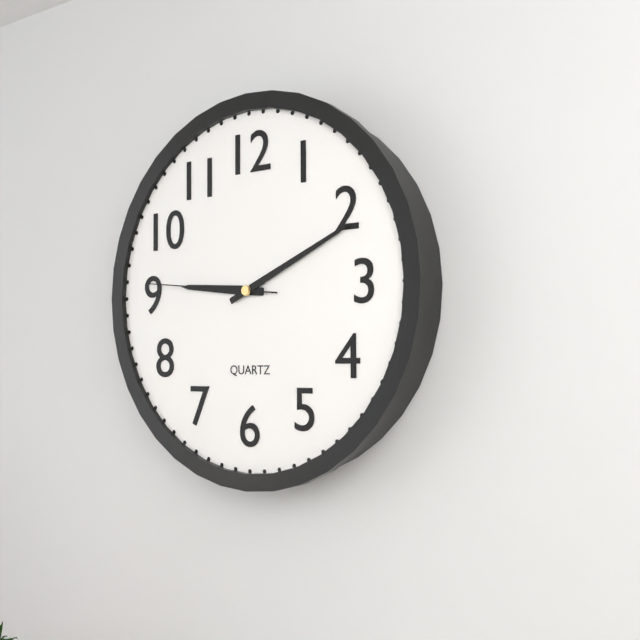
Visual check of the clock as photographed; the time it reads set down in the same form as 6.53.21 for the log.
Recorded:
9.11.46
